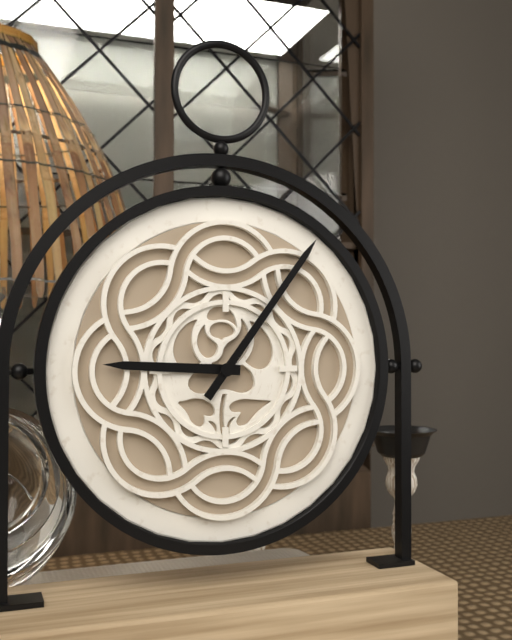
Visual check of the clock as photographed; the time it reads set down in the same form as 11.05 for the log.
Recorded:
9.06
